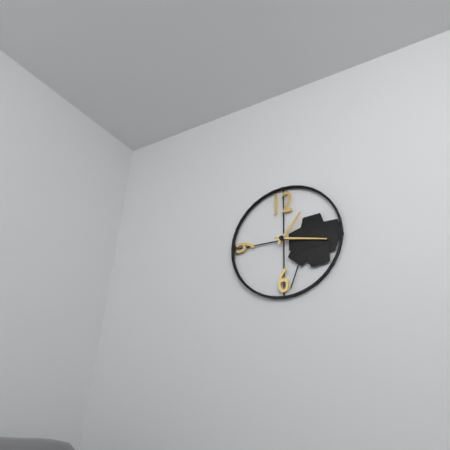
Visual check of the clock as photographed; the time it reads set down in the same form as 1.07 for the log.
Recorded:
1.17
